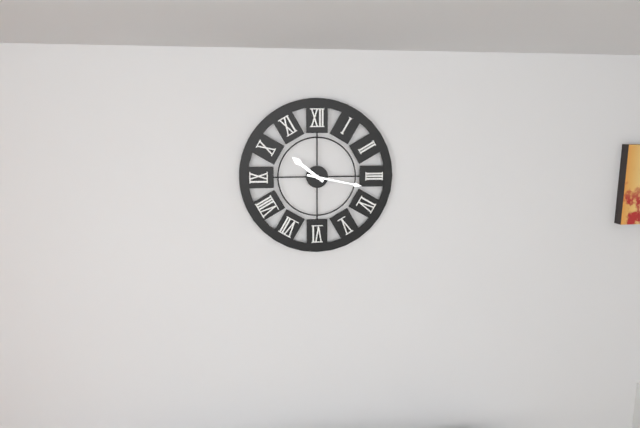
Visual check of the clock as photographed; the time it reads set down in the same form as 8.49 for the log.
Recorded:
10.17
